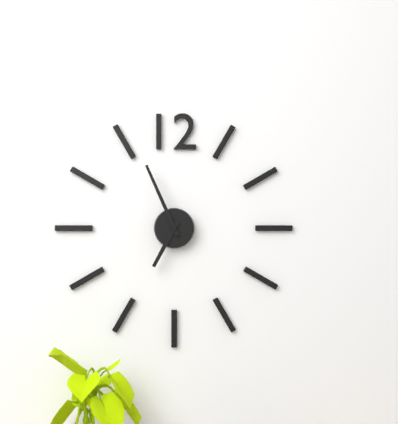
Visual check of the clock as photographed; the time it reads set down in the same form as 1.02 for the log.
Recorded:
6.56
